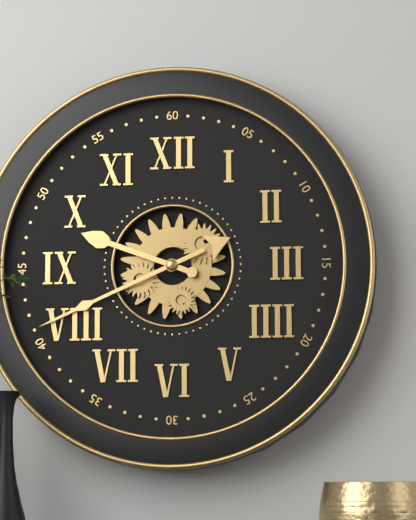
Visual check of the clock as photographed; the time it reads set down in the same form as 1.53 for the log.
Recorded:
9.41
